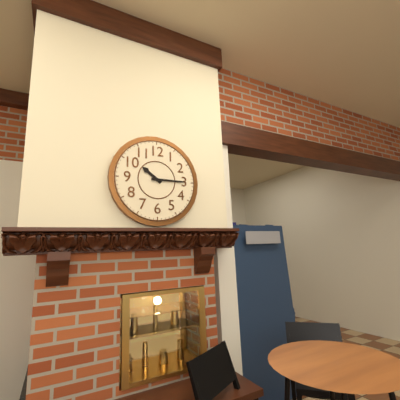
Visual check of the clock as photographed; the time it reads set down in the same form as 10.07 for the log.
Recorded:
10.15
